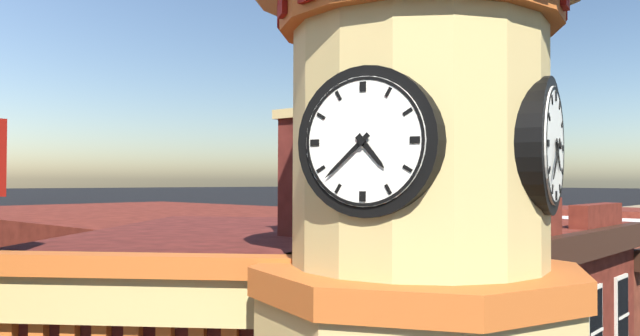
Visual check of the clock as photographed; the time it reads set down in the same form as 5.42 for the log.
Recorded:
4.38
